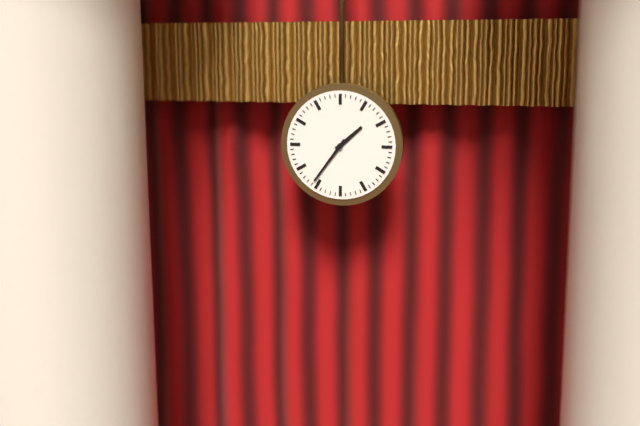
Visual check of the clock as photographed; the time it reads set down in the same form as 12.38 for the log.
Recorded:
1.36
